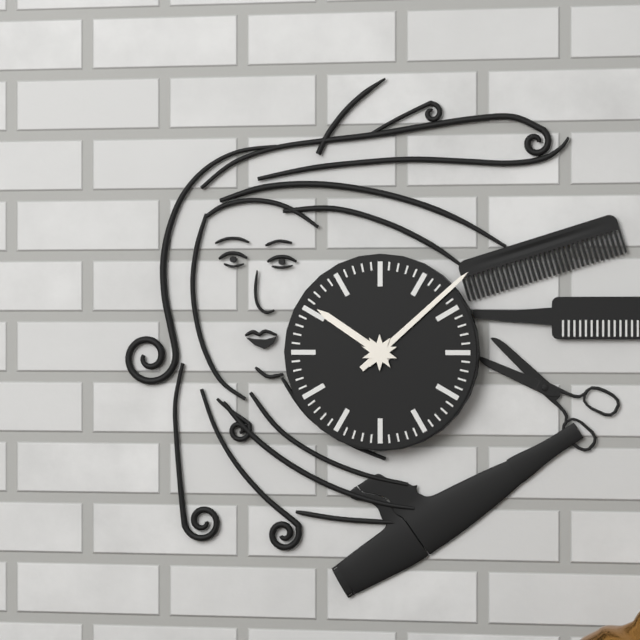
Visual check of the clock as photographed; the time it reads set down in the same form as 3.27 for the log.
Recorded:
10.08
